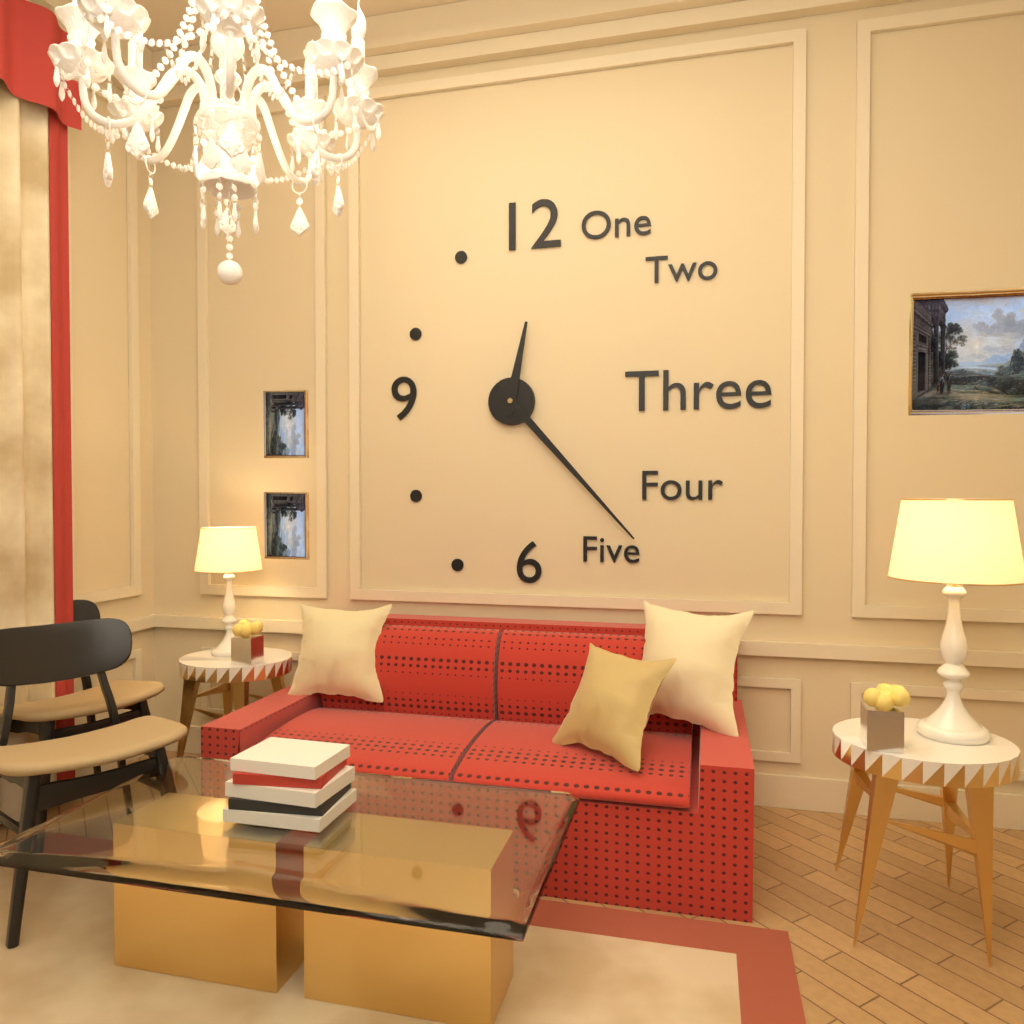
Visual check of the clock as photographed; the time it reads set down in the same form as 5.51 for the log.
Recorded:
12.23
